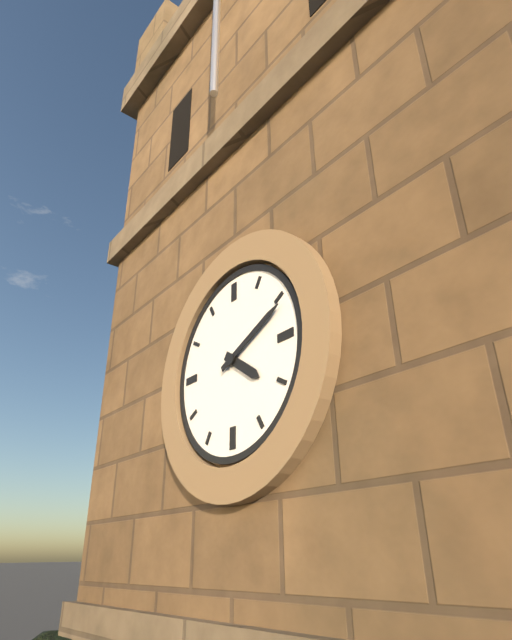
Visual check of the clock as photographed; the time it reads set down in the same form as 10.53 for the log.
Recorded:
4.11
